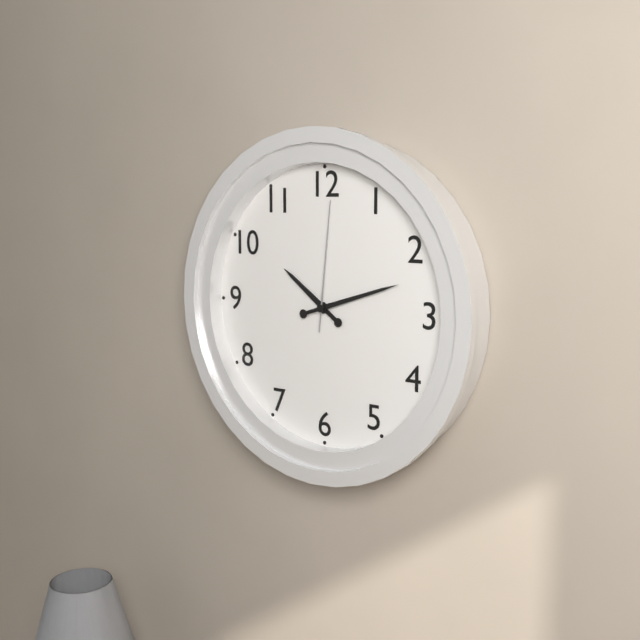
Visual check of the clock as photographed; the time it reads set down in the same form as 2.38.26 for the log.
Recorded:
10.12.01
